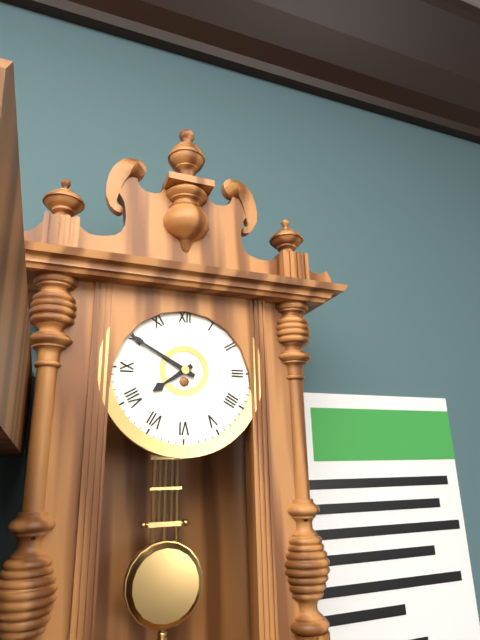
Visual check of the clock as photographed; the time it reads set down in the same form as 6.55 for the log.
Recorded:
7.50
